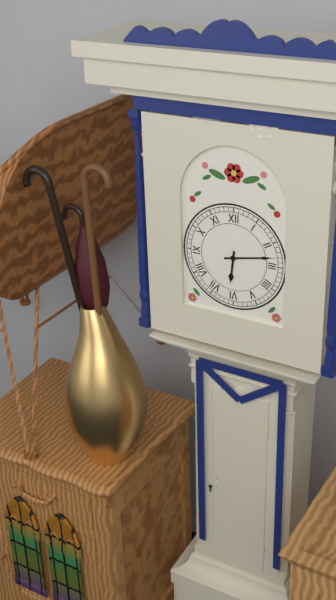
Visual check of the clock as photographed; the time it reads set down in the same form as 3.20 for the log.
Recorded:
6.13
